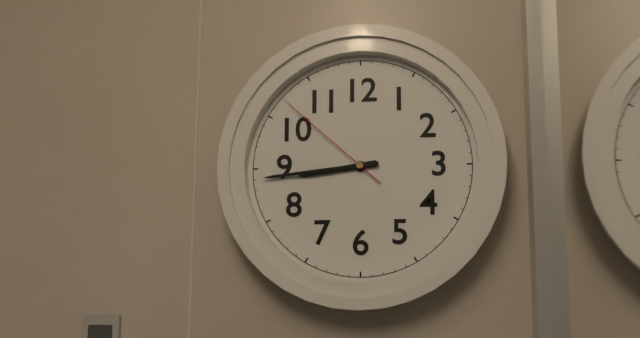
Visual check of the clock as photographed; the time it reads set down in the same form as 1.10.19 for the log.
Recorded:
8.44.52
